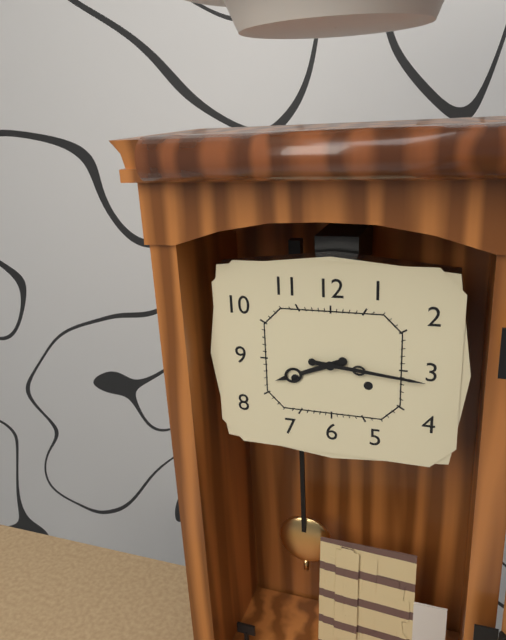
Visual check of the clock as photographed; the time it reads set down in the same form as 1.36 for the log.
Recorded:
8.16
